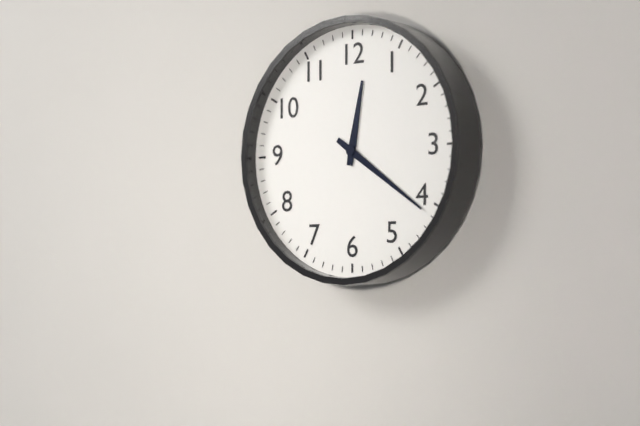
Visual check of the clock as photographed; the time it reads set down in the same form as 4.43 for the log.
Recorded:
12.21
